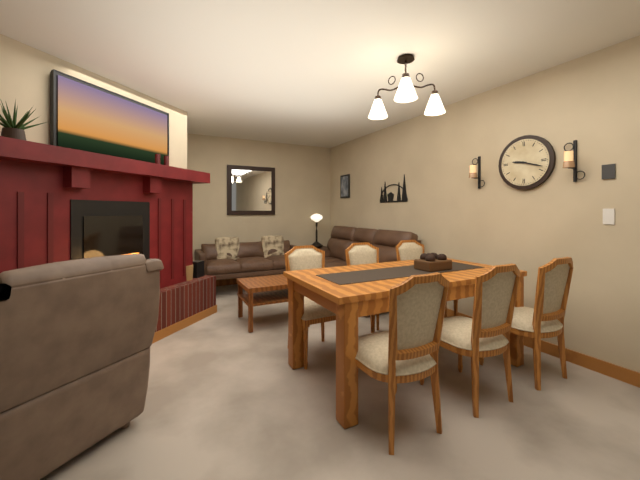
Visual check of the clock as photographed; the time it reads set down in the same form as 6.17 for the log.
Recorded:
9.18
